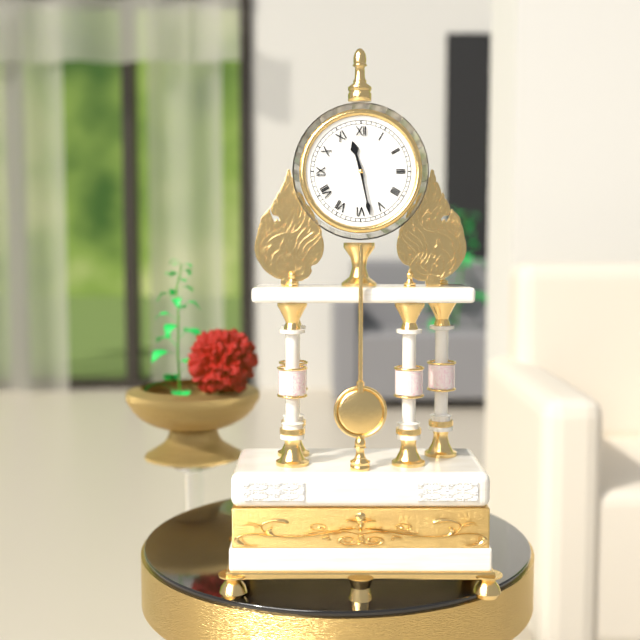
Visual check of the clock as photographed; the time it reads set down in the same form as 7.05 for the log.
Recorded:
11.28
